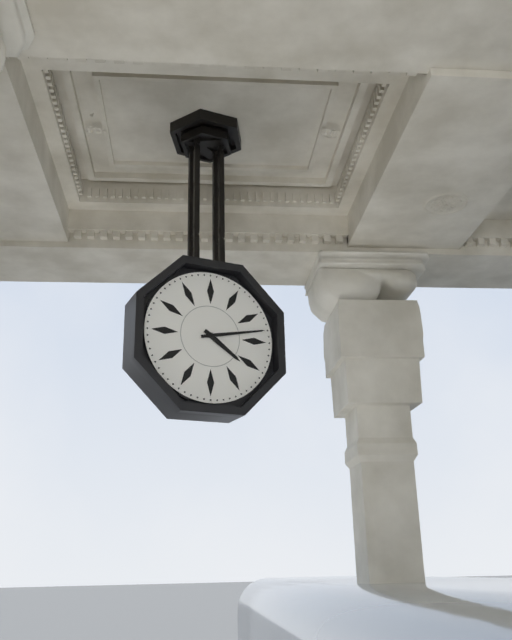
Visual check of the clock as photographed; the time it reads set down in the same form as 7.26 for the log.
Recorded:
4.13
